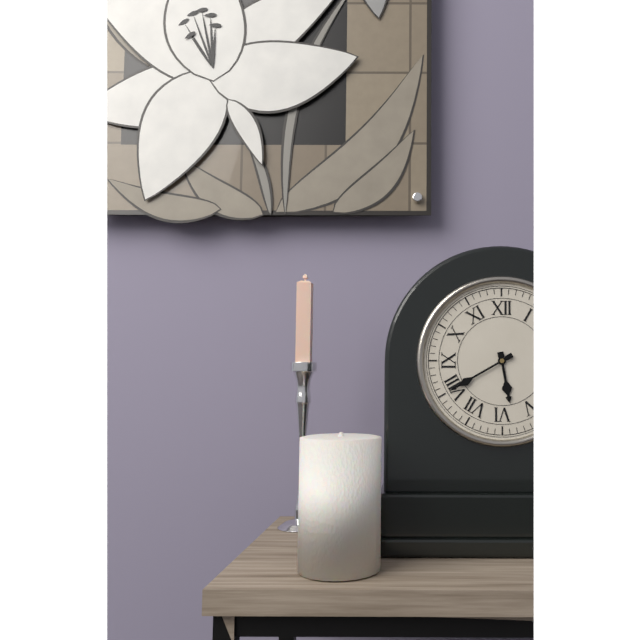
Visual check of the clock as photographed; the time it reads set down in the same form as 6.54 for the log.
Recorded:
5.40
